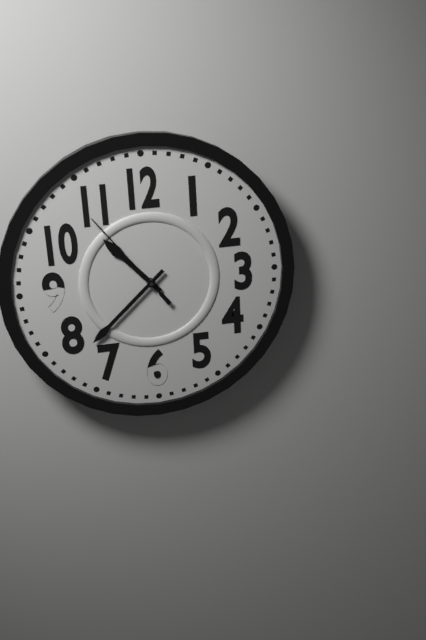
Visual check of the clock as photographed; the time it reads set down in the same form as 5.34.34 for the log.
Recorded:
10.38.54
